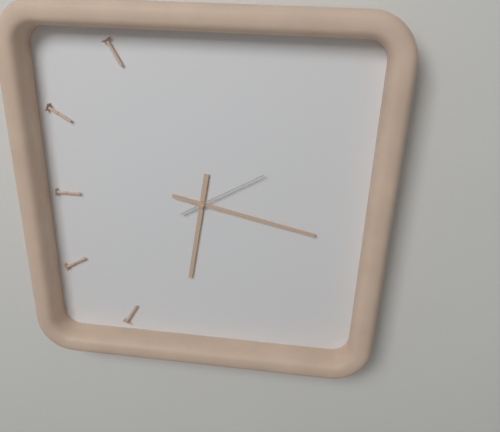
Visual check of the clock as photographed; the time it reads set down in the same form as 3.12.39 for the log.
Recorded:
6.17.10
